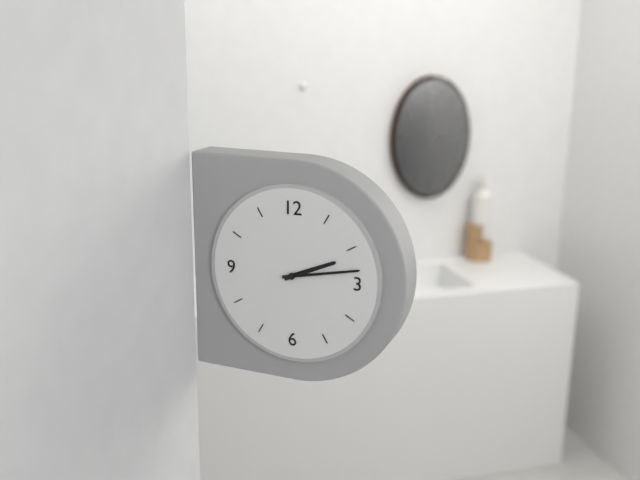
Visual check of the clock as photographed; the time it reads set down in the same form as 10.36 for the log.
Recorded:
2.13
